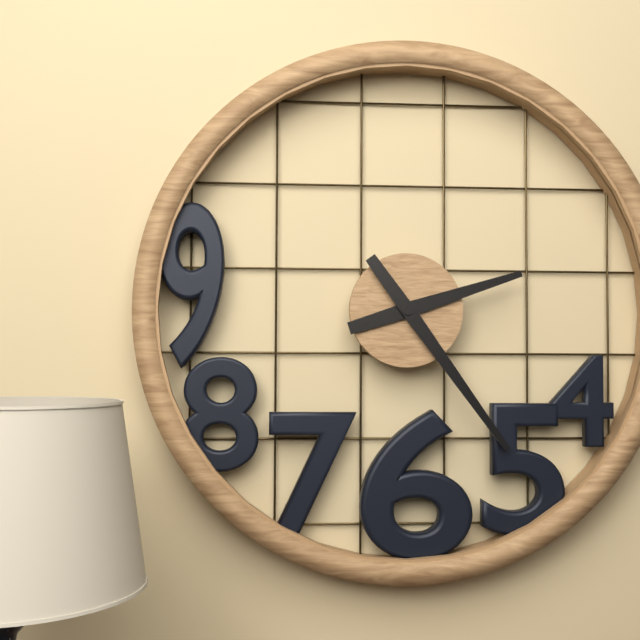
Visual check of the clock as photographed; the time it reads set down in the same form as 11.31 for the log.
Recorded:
2.24
